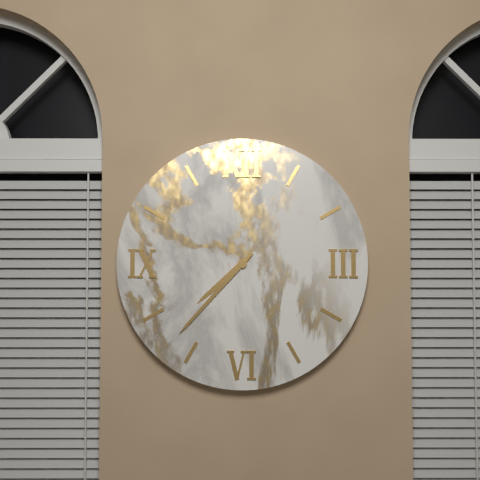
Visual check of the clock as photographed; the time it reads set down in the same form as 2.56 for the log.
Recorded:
7.37
